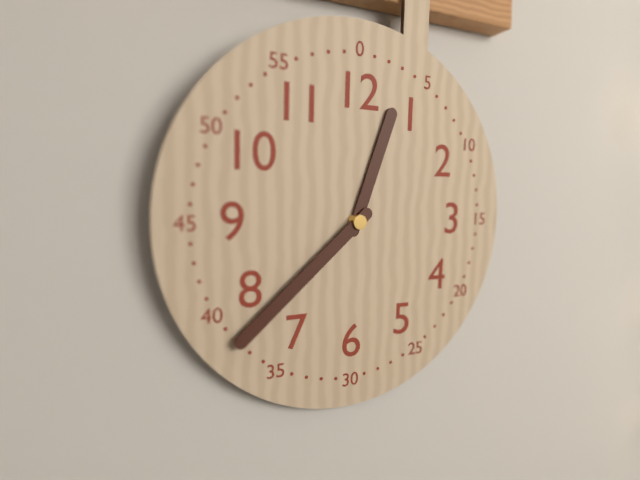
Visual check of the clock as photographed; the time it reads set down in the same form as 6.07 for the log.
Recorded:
12.38
